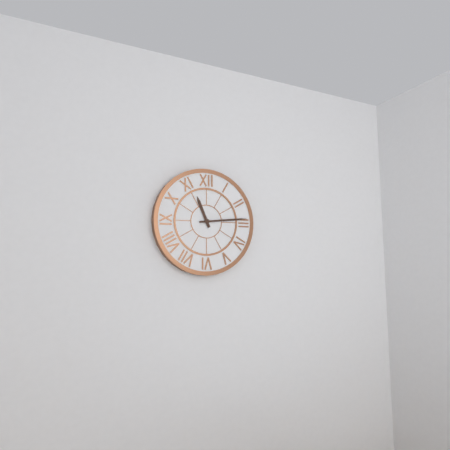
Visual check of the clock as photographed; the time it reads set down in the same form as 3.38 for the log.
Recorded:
11.14
